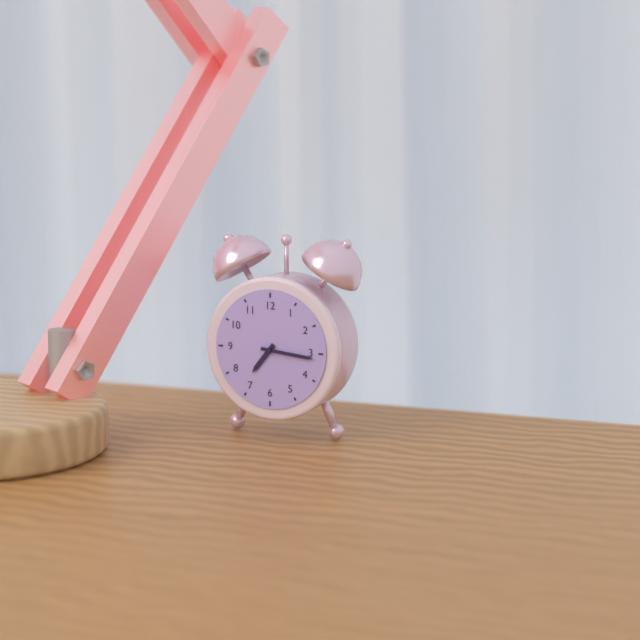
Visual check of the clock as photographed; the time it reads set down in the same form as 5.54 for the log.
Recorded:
7.16
